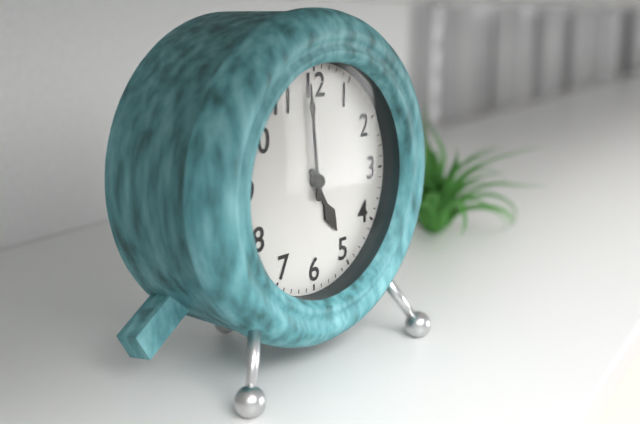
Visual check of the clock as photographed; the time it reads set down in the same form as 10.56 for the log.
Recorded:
4.59
